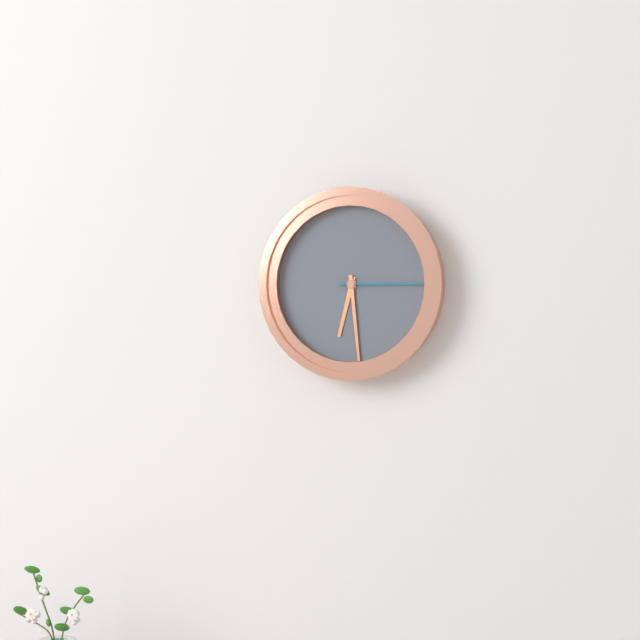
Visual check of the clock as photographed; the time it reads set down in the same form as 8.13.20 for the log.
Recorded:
6.29.15
